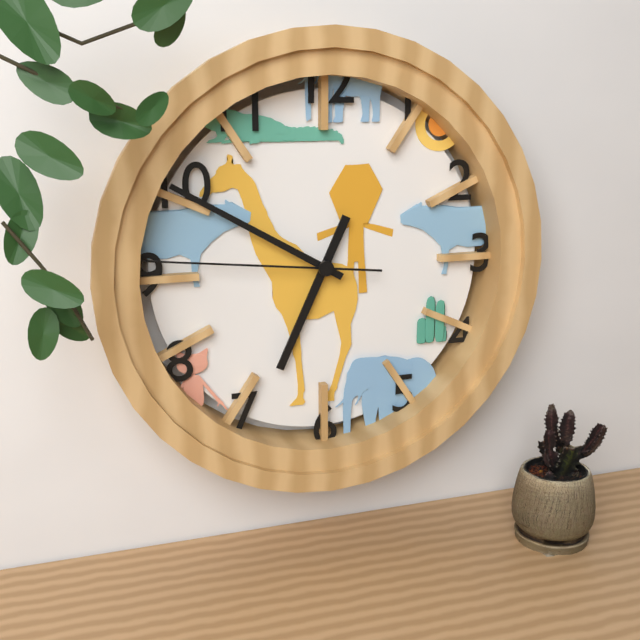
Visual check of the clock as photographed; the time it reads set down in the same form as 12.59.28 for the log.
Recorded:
6.50.46
